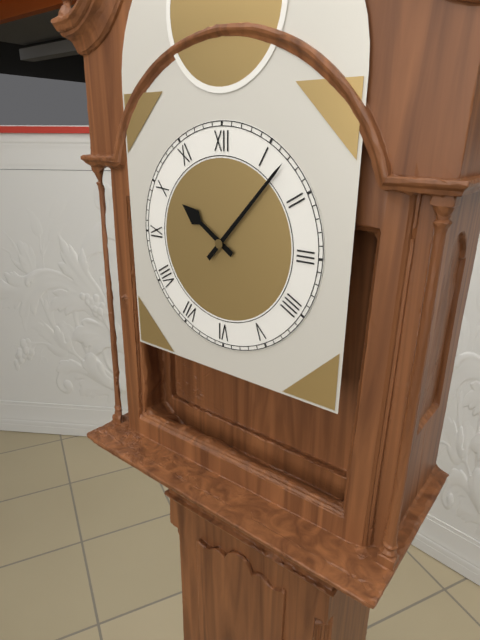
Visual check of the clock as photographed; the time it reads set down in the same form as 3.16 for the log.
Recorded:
10.07
